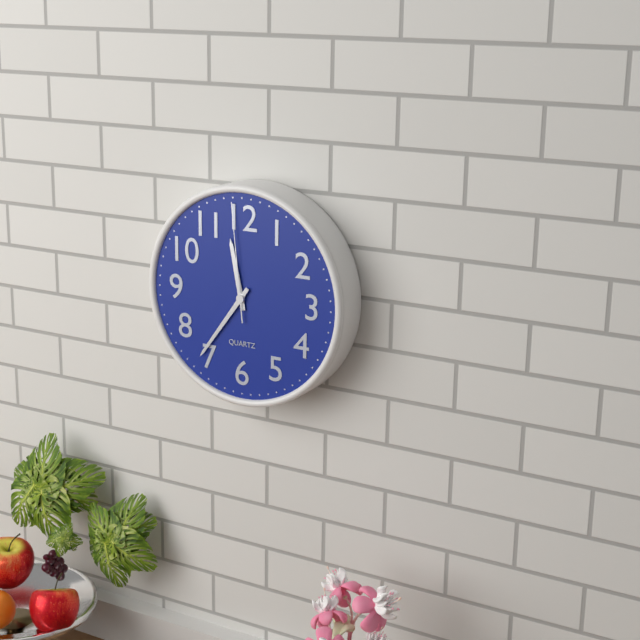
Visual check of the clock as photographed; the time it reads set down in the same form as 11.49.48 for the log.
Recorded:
11.36.59
